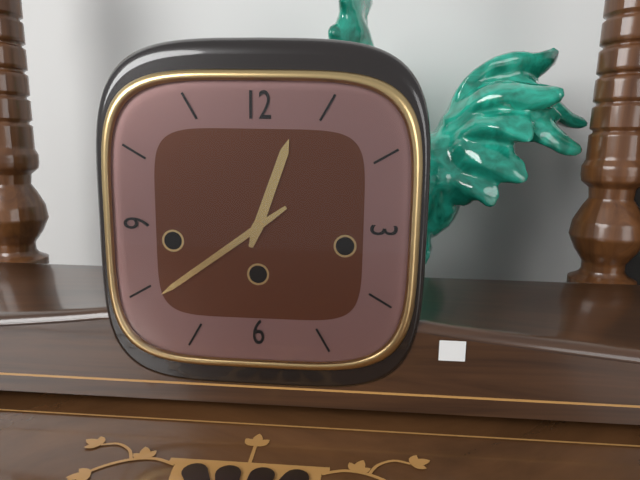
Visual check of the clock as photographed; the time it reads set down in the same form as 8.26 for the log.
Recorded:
12.39
